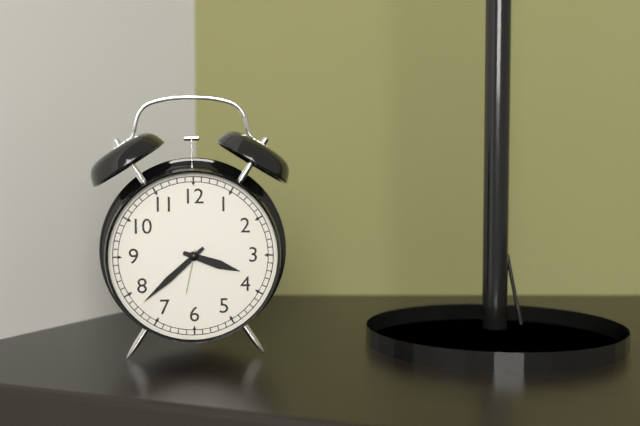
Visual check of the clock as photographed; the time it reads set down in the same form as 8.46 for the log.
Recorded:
3.38
